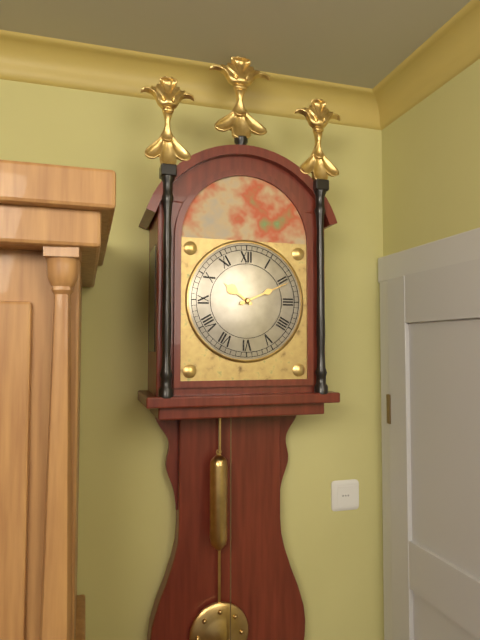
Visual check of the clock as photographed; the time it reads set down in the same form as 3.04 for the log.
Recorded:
10.11
